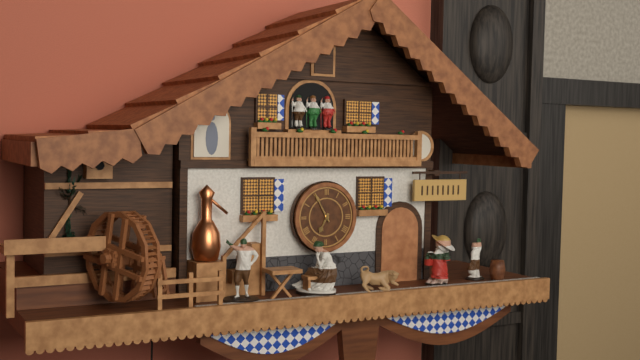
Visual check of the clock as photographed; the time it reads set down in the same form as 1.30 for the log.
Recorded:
6.55
